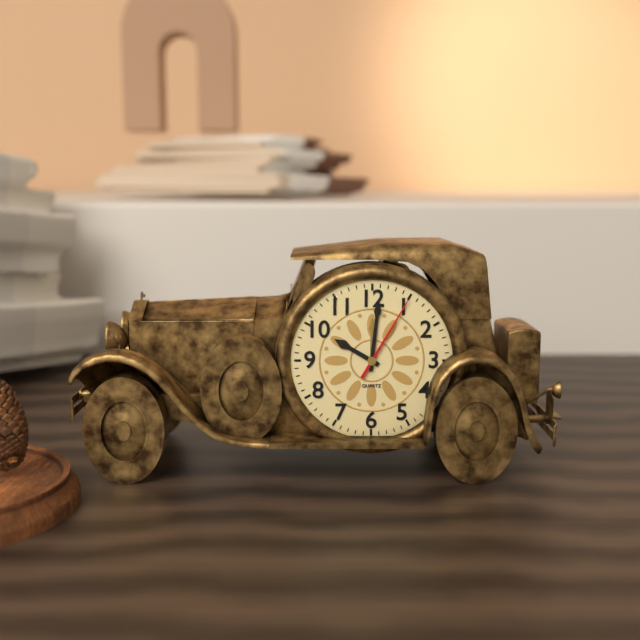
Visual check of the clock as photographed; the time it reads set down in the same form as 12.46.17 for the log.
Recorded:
10.01.05
